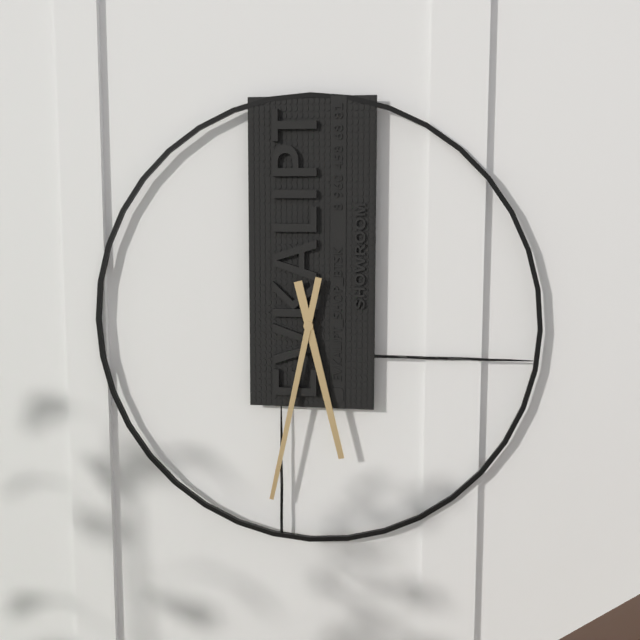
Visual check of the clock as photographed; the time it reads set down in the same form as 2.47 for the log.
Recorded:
5.32
